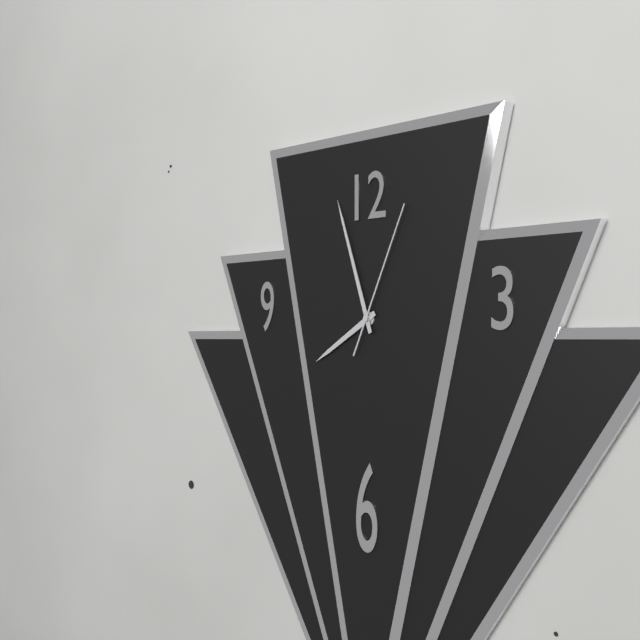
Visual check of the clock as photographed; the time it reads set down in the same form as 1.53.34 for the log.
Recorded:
7.57.04
